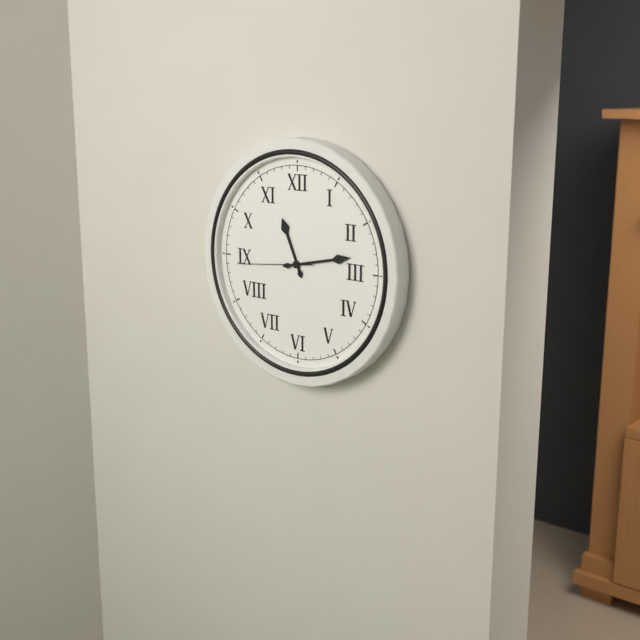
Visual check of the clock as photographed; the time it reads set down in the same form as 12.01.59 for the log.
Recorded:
11.13.44
